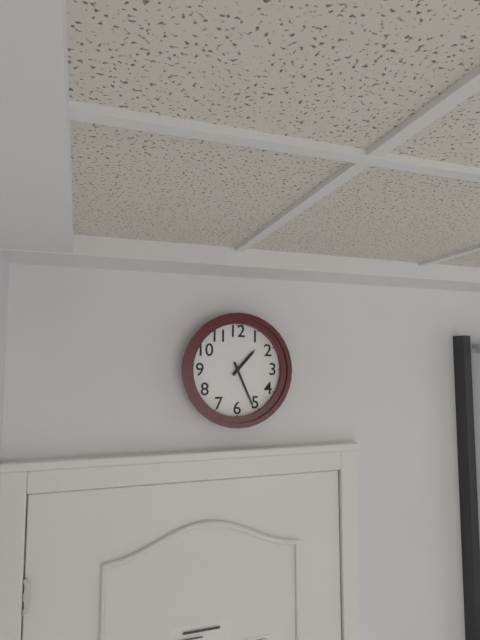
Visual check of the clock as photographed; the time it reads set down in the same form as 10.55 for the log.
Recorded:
1.26
